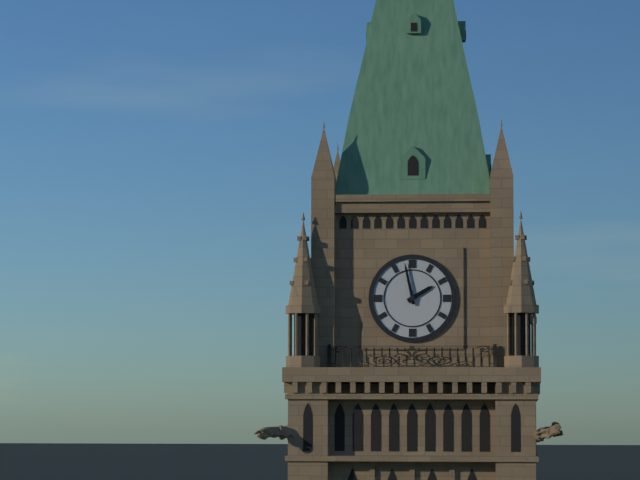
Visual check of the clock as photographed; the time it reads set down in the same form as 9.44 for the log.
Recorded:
1.58
